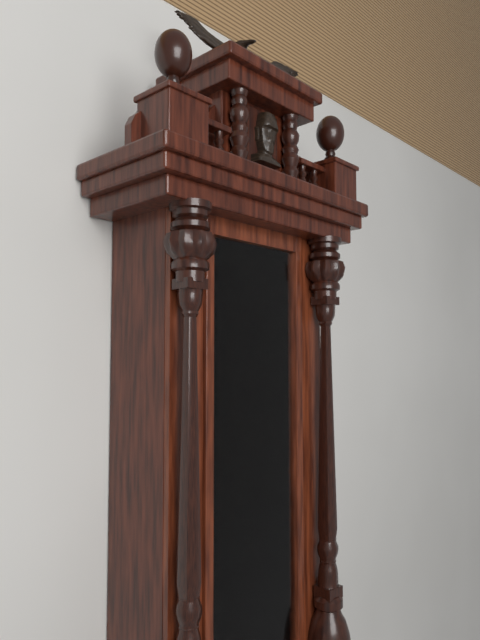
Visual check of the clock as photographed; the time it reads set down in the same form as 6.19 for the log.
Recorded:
5.02
